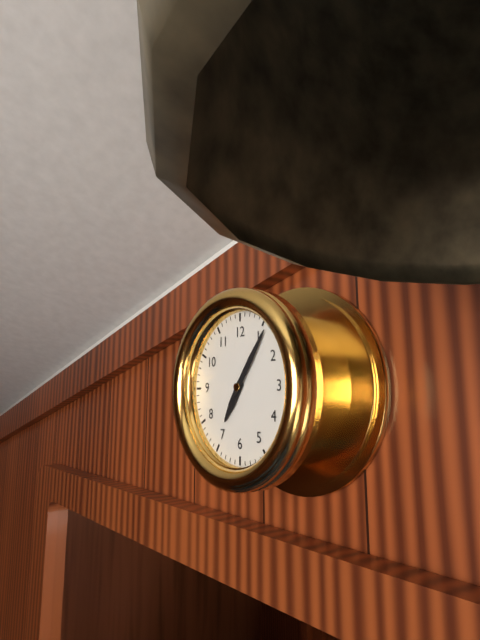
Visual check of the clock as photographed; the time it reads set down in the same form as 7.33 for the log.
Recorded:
7.06
